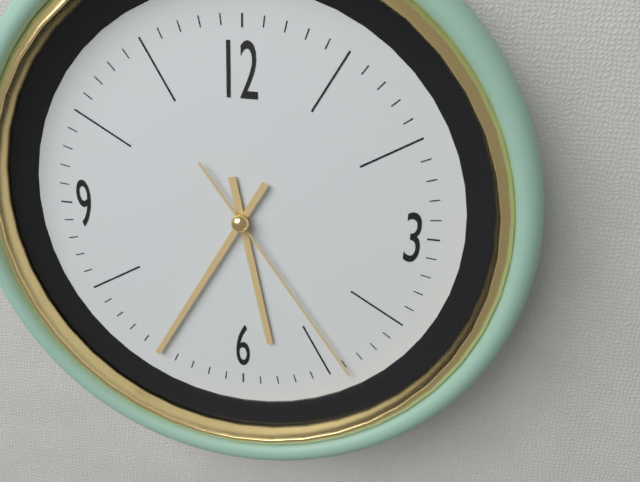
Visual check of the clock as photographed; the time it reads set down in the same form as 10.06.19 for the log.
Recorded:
5.35.24
